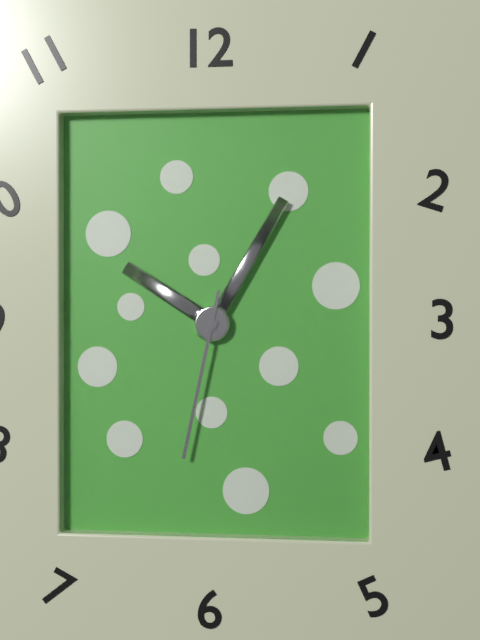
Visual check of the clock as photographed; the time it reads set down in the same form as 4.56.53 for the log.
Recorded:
10.05.32
